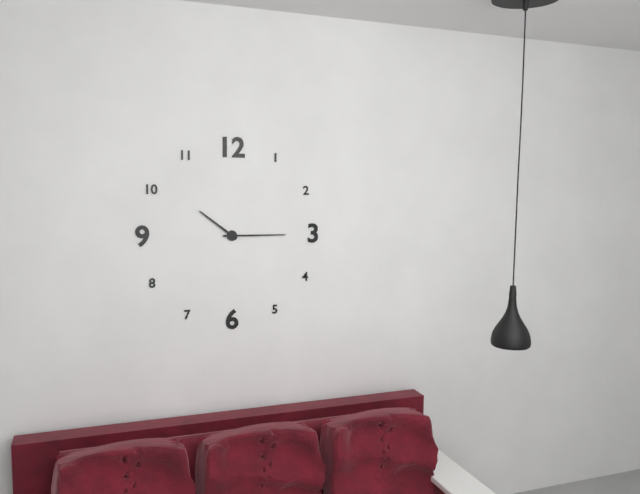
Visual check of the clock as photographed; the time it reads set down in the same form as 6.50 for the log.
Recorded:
10.15
